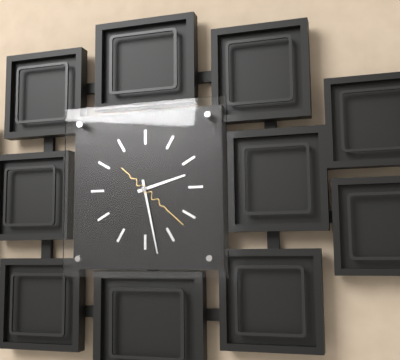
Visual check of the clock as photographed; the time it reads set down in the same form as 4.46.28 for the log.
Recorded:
2.28.22
